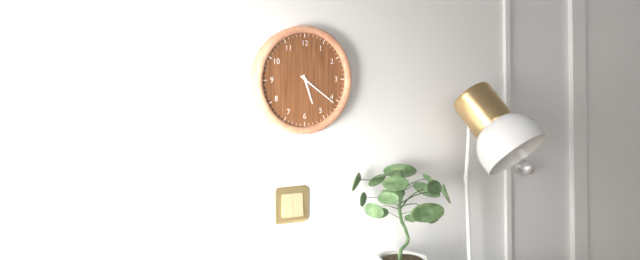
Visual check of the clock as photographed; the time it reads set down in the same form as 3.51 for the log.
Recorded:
5.21
